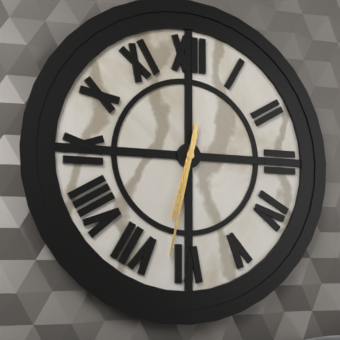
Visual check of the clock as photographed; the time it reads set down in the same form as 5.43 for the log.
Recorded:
6.32
